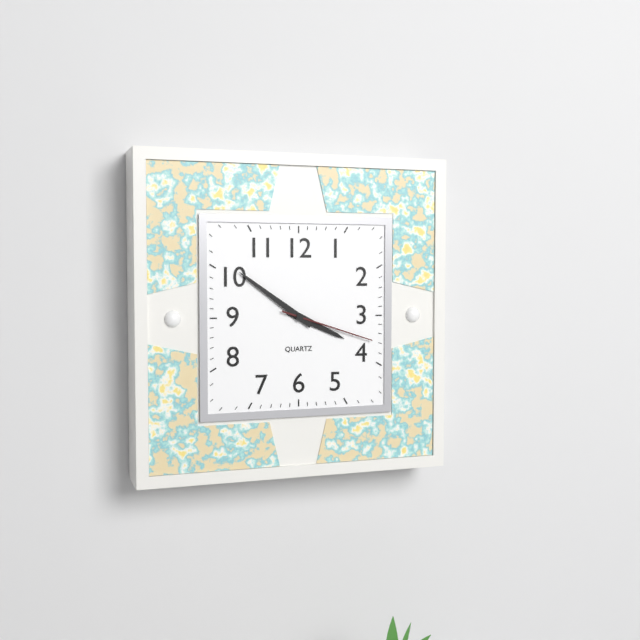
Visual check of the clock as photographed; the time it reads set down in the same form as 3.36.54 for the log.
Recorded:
3.51.18
